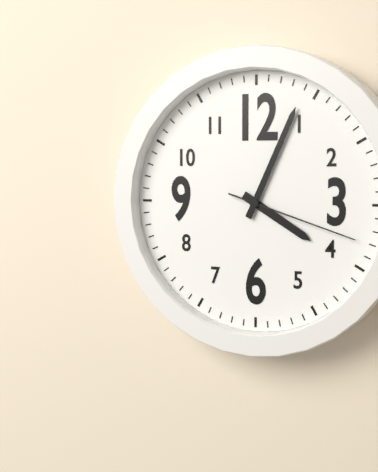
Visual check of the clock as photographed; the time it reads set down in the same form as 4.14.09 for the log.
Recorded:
4.04.18
